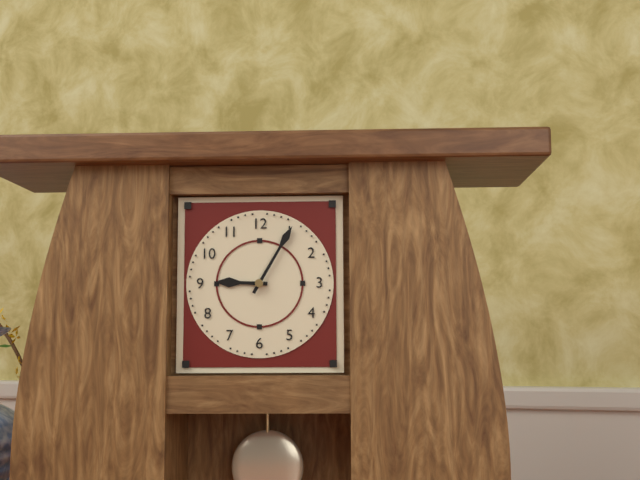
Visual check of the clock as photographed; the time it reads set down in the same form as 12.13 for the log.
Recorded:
9.05
